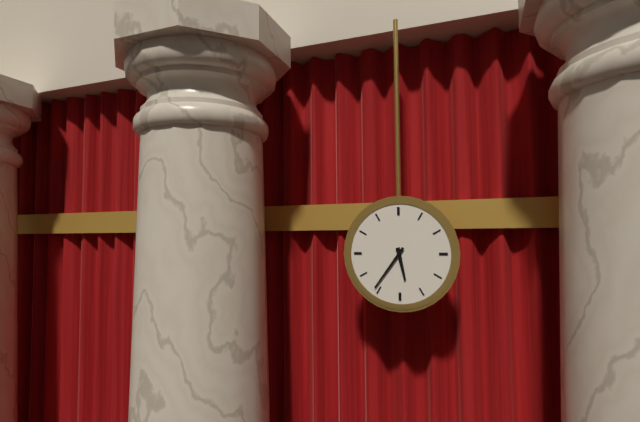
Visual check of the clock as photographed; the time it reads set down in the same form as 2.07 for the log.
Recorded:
5.36
